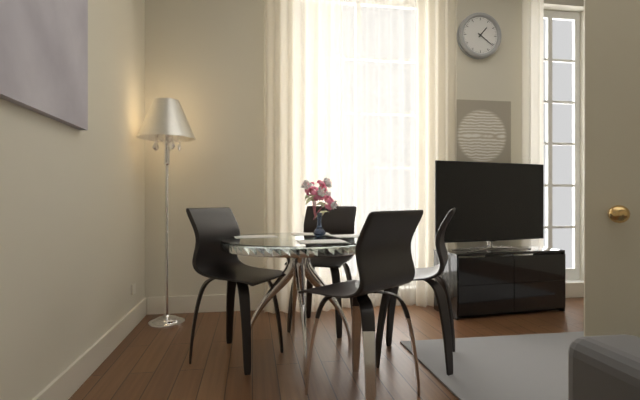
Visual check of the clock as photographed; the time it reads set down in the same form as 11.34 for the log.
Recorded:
1.21
